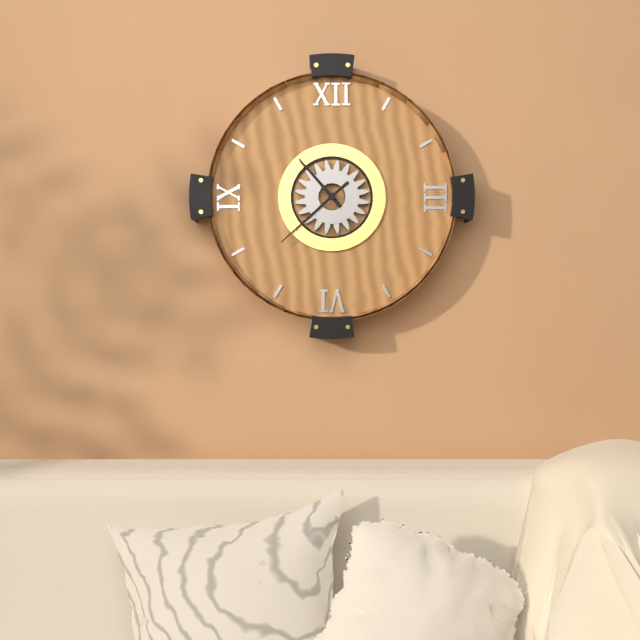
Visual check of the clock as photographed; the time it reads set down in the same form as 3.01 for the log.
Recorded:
10.38
